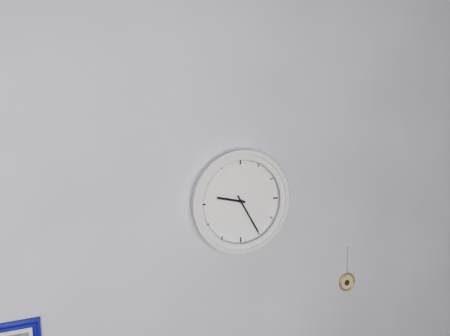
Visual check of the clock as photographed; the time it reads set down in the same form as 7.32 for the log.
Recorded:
9.25
